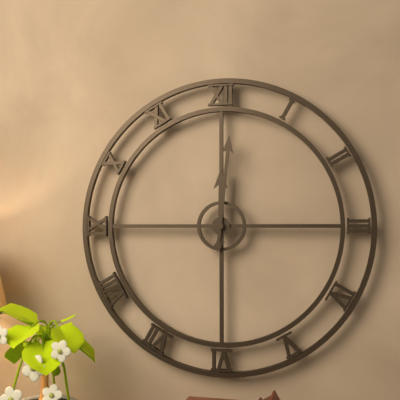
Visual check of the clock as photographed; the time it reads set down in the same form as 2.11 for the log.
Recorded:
12.01
